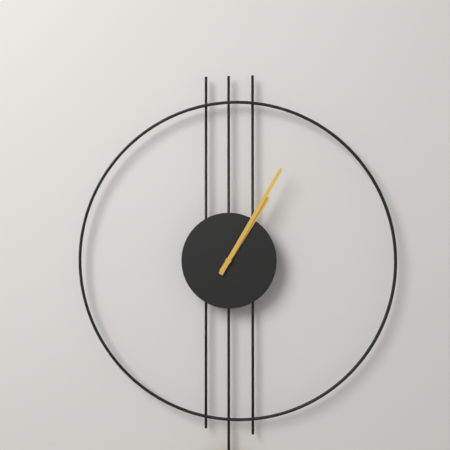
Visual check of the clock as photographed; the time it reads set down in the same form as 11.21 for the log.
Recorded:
1.05
